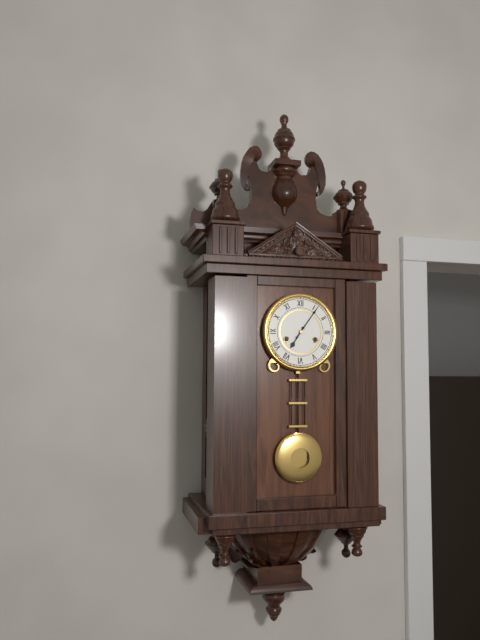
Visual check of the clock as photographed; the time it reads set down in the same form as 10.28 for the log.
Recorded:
7.06
